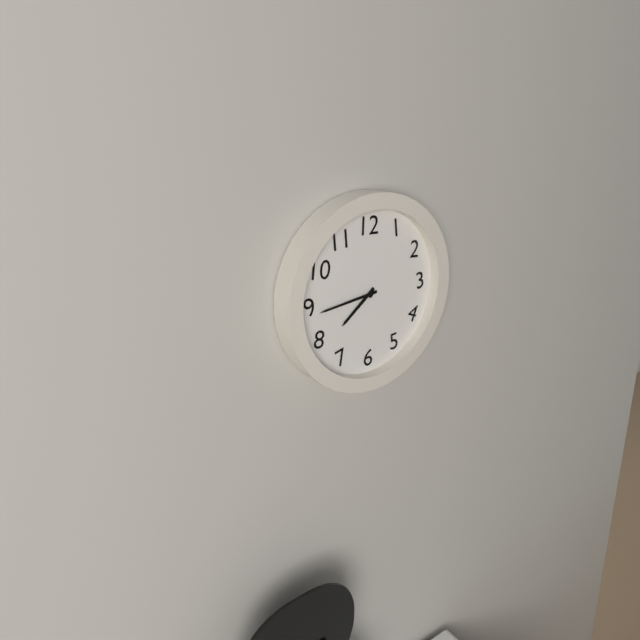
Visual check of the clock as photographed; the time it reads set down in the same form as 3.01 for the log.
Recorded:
7.44
